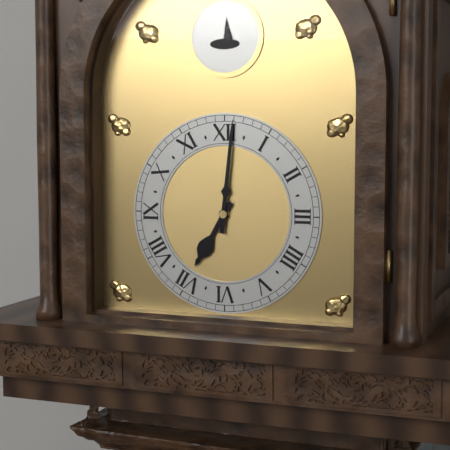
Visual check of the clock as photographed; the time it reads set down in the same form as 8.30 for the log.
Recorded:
7.01
